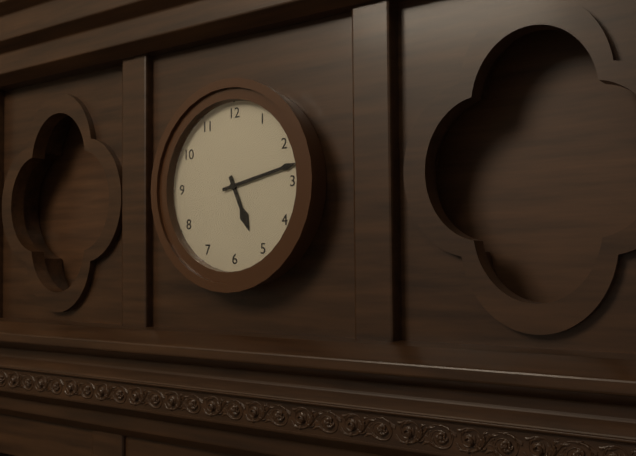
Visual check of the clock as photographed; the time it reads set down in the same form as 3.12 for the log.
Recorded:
5.13
